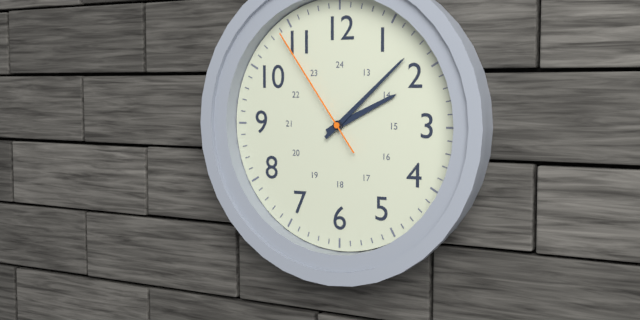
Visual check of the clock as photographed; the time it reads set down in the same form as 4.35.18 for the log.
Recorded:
2.08.54
